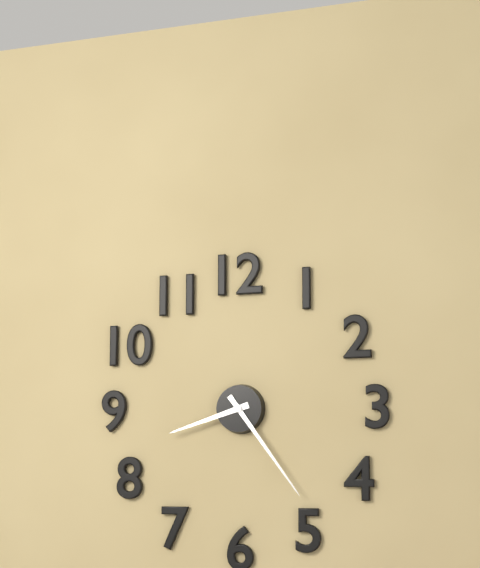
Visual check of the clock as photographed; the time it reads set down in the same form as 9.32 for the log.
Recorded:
8.24
